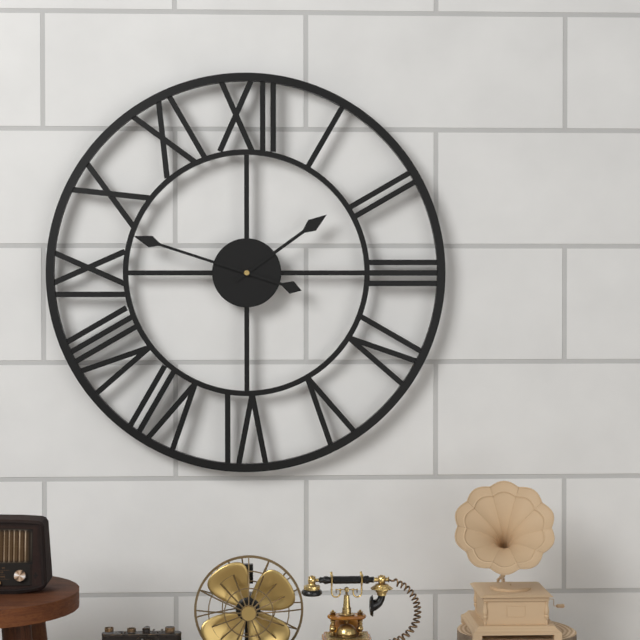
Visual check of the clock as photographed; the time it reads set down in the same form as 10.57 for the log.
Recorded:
1.48
